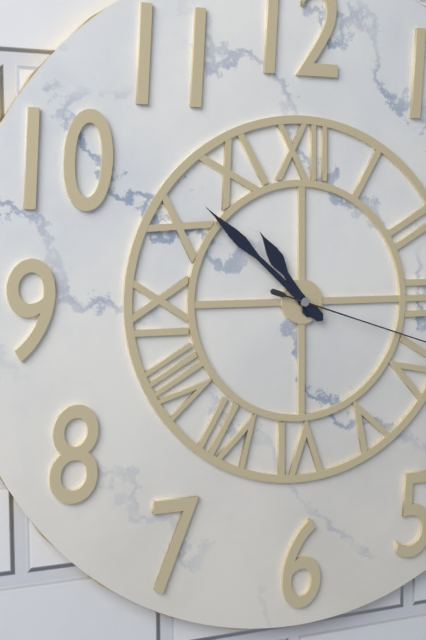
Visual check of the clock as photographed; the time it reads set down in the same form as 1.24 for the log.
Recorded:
10.52
